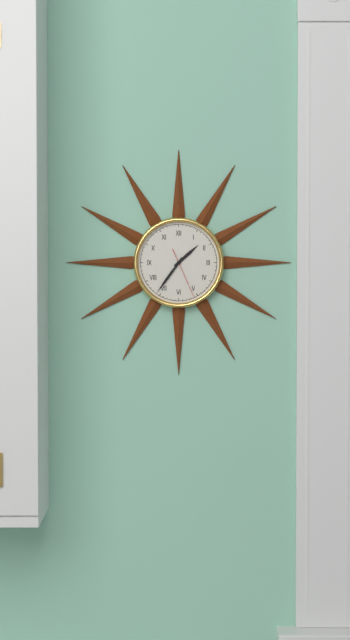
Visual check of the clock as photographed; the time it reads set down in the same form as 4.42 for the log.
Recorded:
1.36
